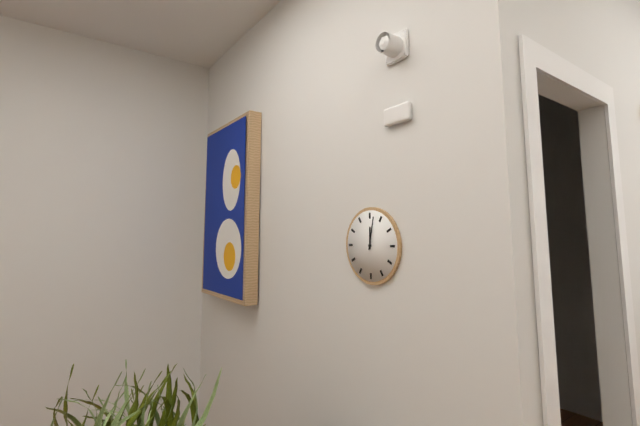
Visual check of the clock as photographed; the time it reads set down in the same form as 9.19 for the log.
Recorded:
12.02
